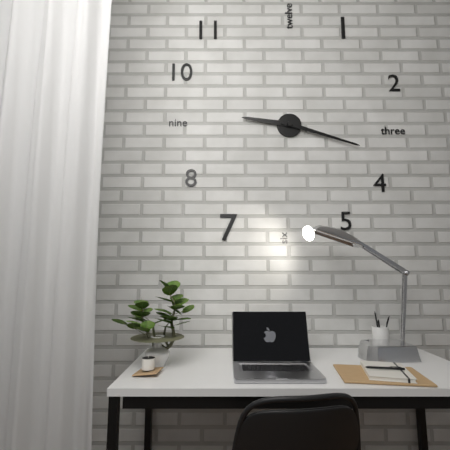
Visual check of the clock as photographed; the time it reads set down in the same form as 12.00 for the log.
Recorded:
9.18
